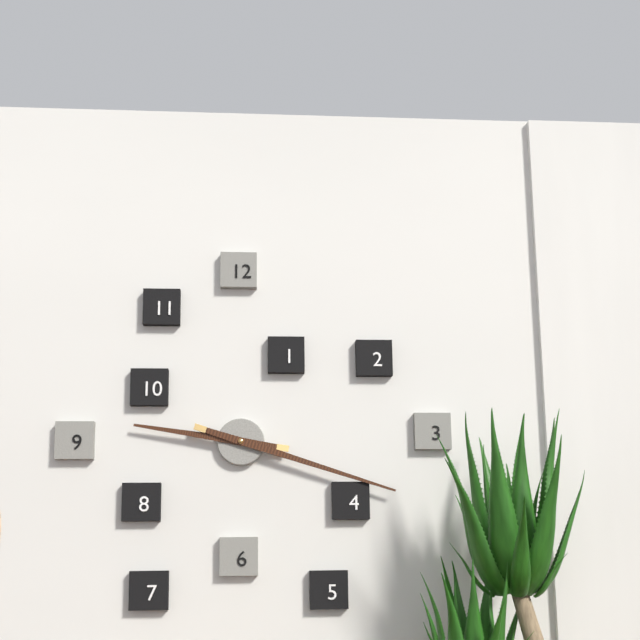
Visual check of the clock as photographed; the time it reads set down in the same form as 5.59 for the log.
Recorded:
9.18
